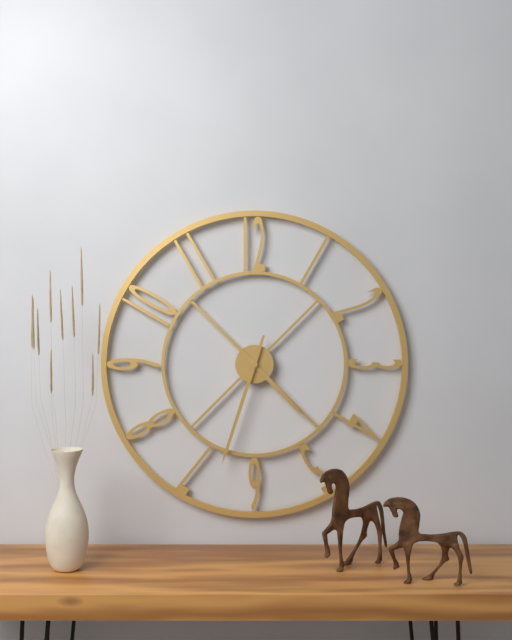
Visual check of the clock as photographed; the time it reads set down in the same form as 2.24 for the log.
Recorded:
4.33
